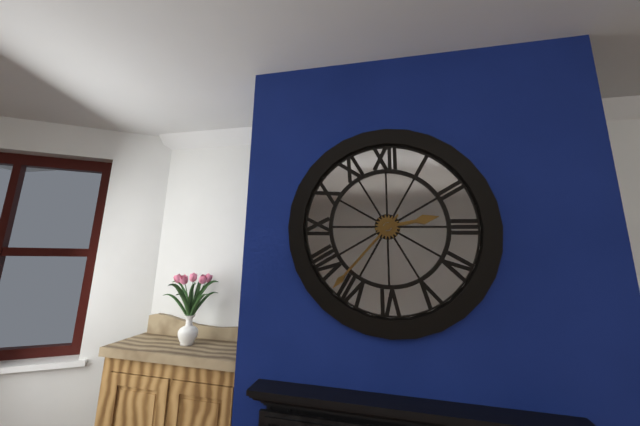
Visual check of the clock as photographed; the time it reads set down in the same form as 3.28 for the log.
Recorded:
2.37
